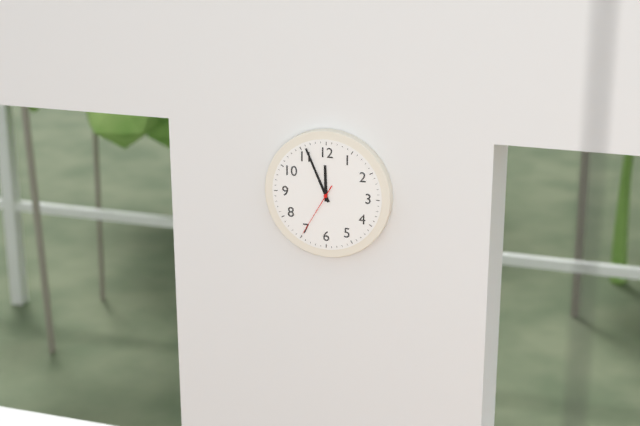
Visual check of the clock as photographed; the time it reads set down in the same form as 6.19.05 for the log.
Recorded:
11.56.35
